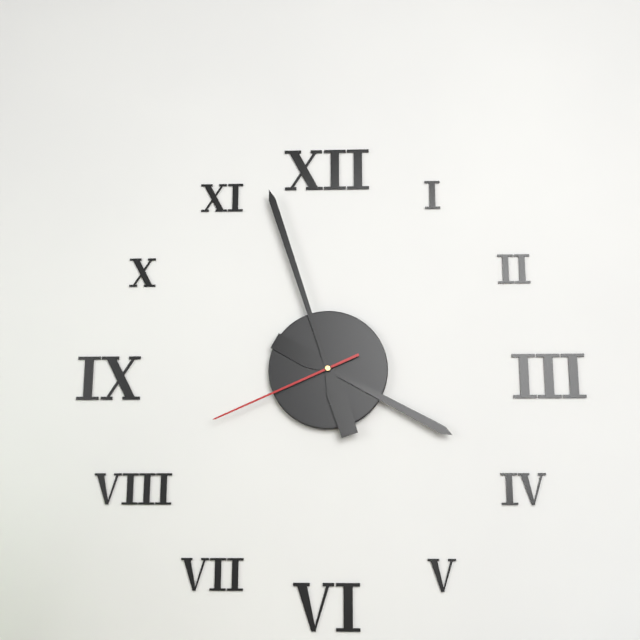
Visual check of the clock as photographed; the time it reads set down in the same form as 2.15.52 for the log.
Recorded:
3.57.41
